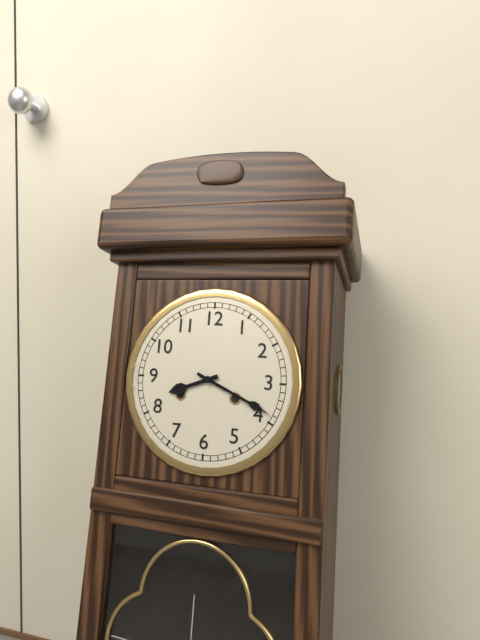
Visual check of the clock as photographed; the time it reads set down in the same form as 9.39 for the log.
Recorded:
8.19
